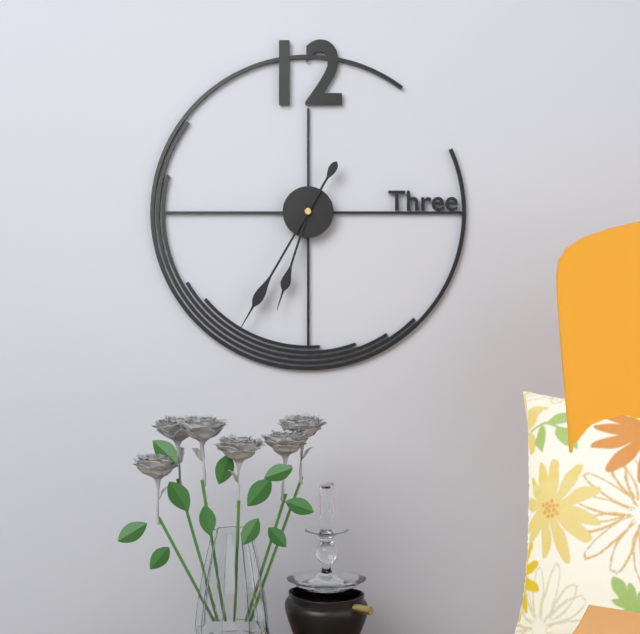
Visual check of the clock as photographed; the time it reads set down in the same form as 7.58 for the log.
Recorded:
6.35
